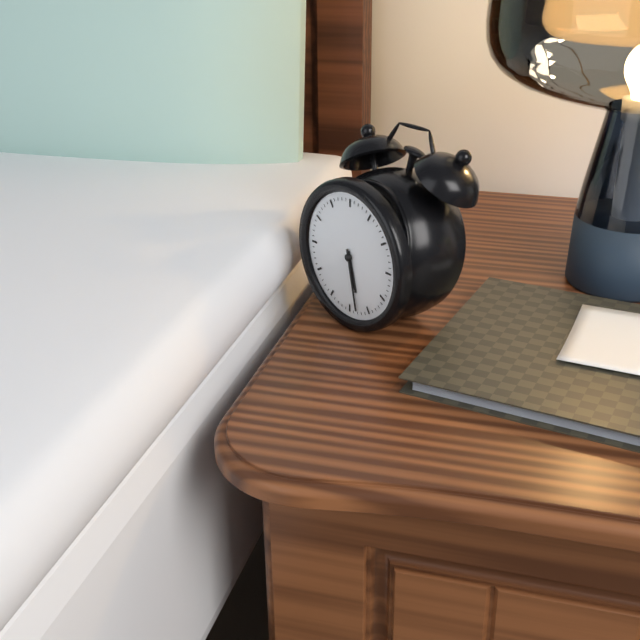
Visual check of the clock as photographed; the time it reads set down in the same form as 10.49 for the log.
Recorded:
5.28
